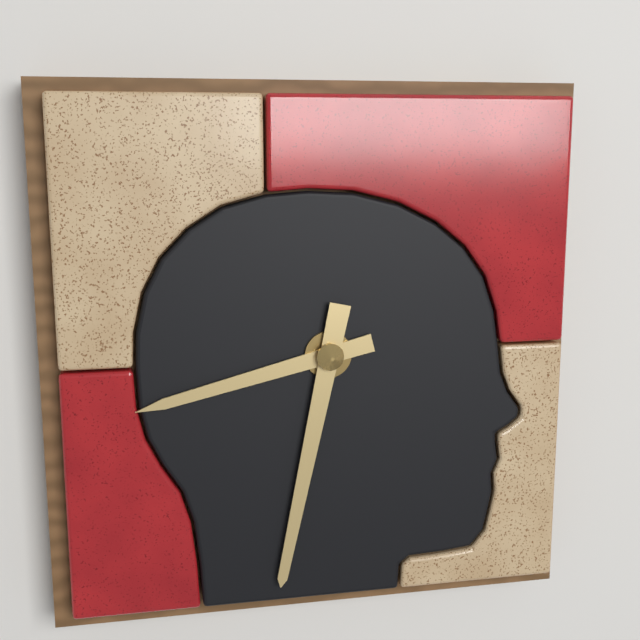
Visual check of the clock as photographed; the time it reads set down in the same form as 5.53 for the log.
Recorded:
8.32
